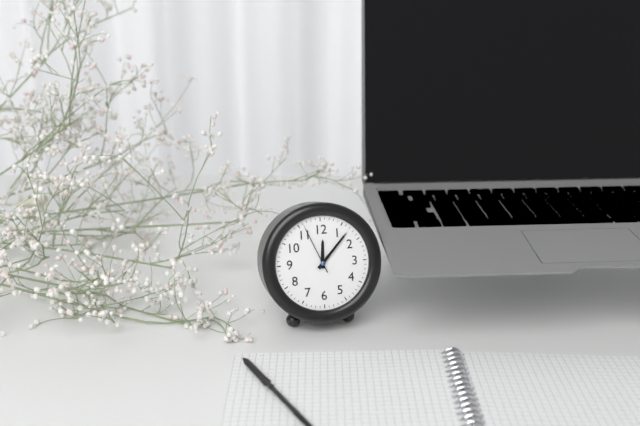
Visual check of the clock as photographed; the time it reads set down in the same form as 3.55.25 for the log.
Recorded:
12.07.56
